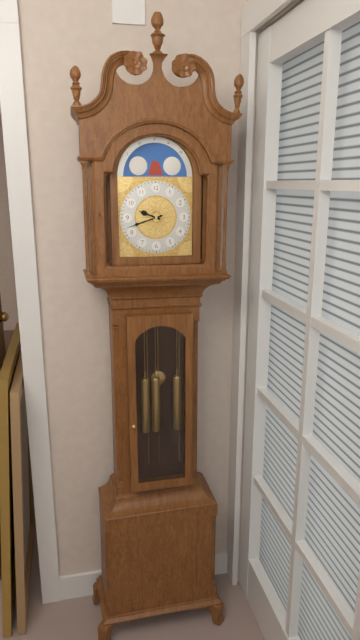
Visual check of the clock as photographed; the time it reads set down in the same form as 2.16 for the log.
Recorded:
9.42
